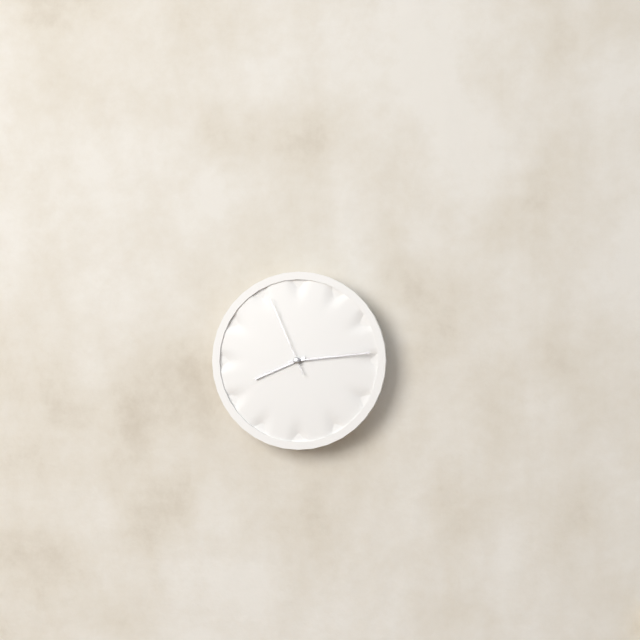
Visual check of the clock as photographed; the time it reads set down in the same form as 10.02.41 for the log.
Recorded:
8.14.56
